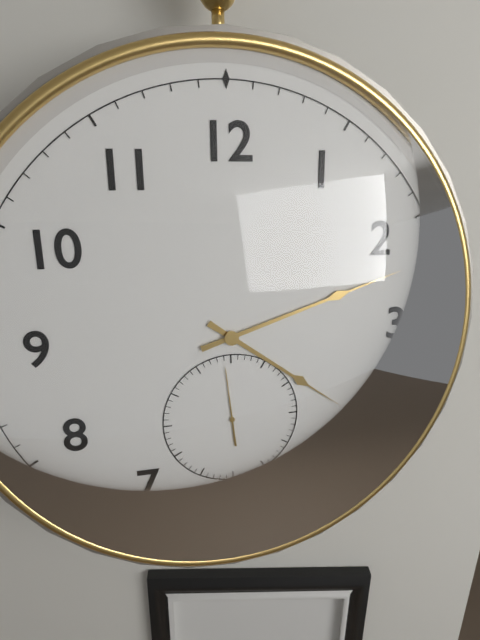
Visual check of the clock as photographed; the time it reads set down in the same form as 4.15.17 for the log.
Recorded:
4.12.59
